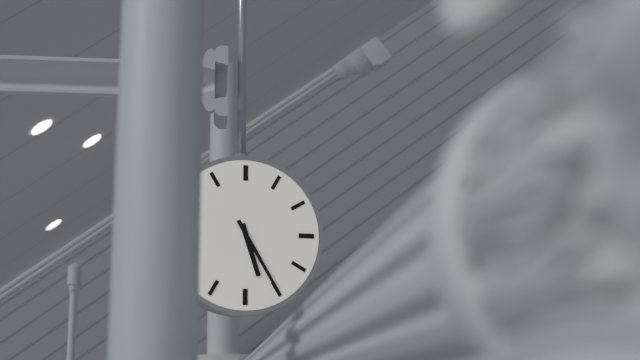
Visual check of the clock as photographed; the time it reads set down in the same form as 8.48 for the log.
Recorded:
5.25
